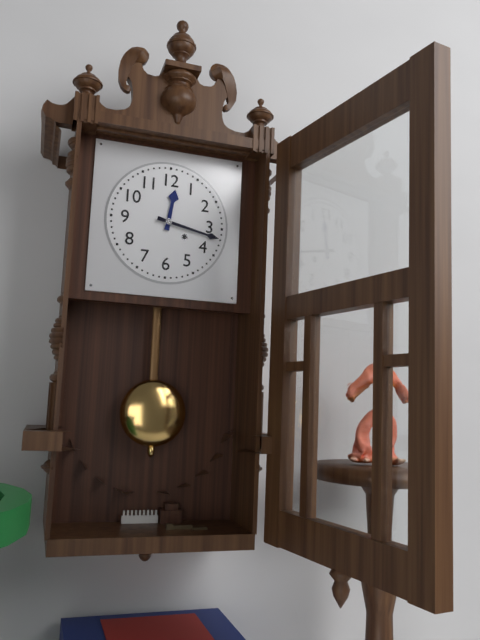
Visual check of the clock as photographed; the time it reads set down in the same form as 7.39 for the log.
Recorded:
12.17
